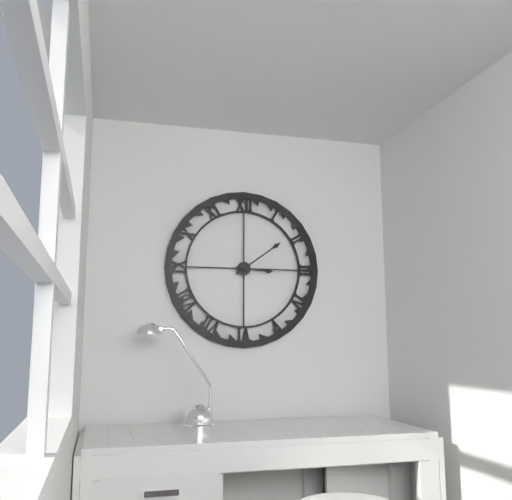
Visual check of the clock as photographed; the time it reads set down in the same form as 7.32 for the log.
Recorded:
3.09
